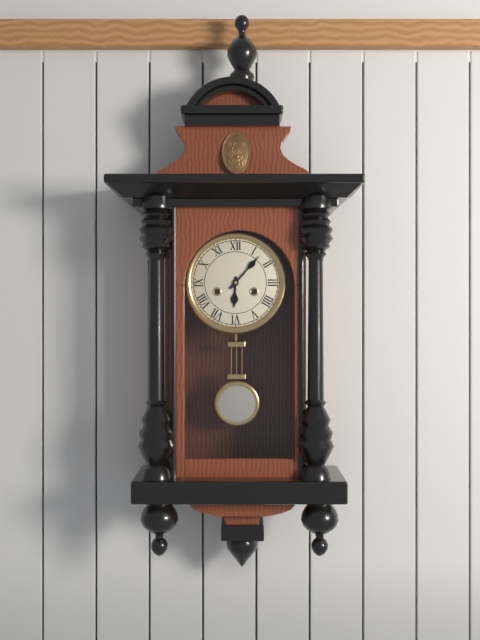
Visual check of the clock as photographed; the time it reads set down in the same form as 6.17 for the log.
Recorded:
6.07
